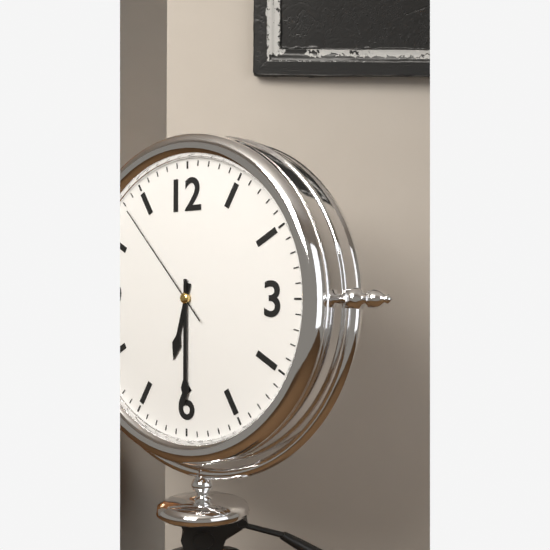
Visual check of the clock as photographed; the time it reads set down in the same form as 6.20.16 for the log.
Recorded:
6.30.53
